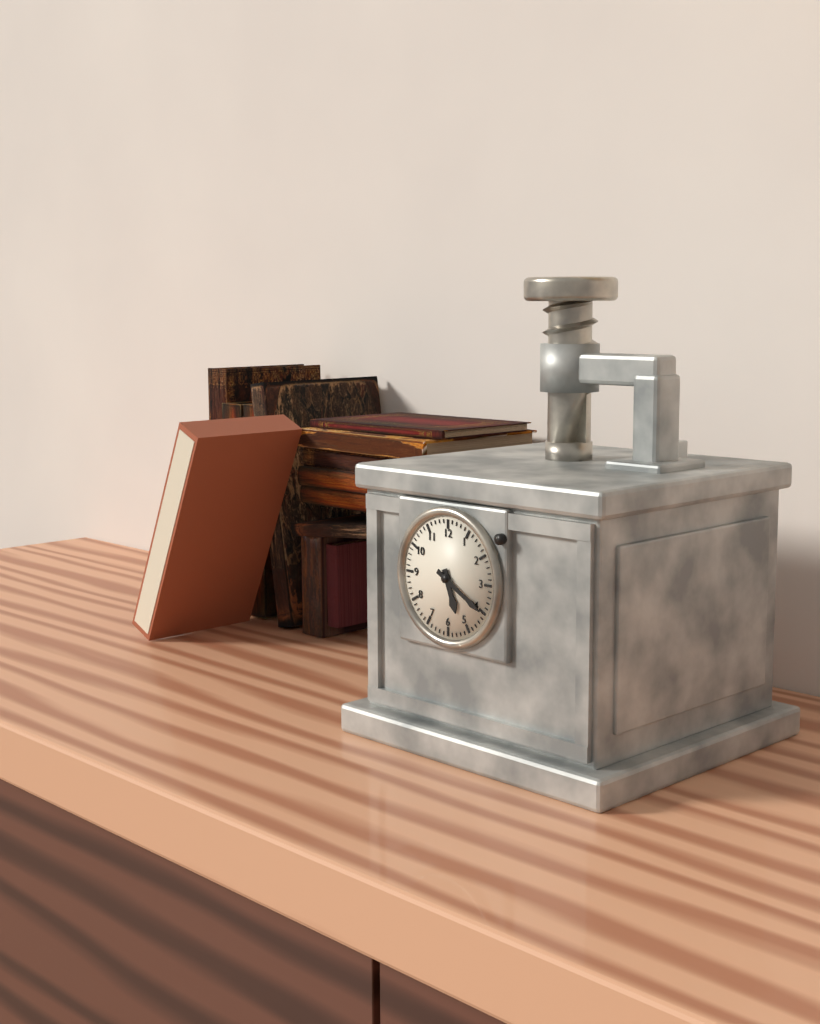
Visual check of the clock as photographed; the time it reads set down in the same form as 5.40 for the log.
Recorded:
5.20
